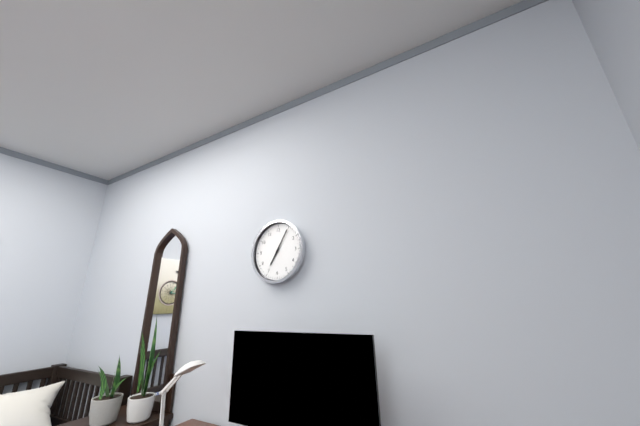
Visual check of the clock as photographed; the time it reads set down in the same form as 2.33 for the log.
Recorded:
7.05
